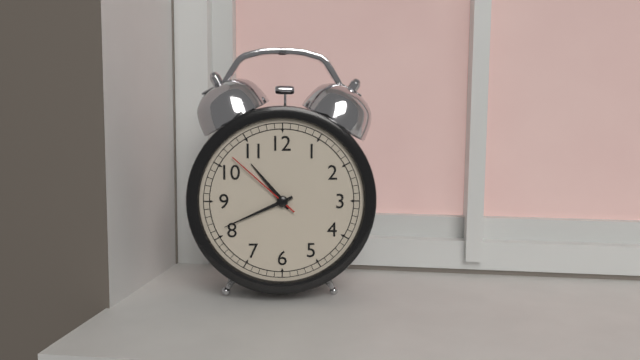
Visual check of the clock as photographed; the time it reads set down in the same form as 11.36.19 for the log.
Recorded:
10.41.52
